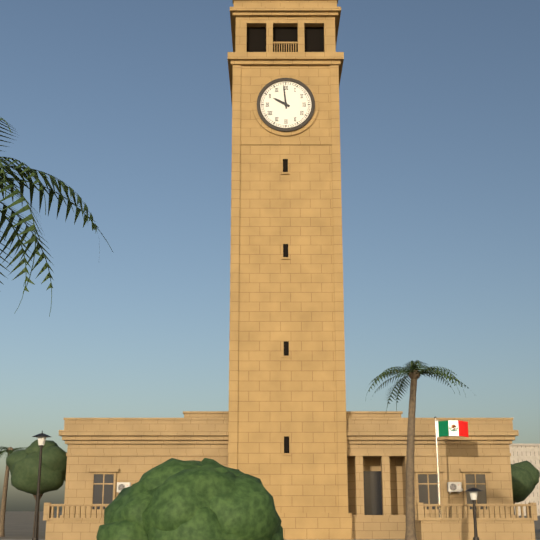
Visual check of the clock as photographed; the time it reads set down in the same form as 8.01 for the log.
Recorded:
9.59
